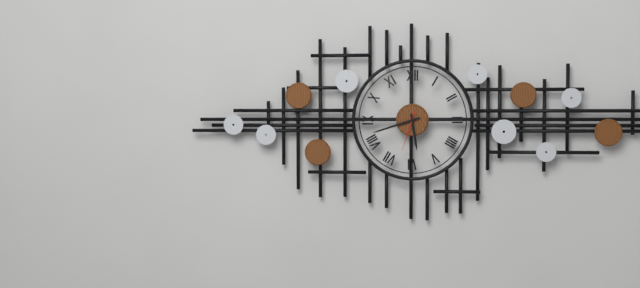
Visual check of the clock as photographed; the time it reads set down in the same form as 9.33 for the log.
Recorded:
5.42
